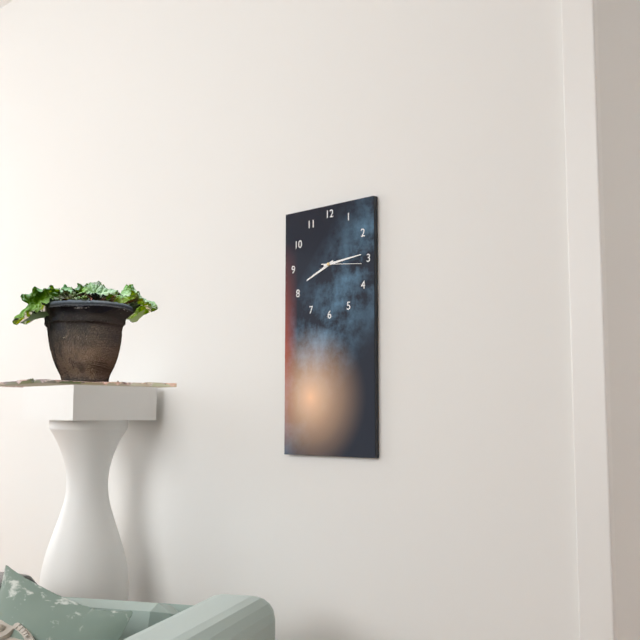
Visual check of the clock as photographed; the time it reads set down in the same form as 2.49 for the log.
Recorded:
8.14
